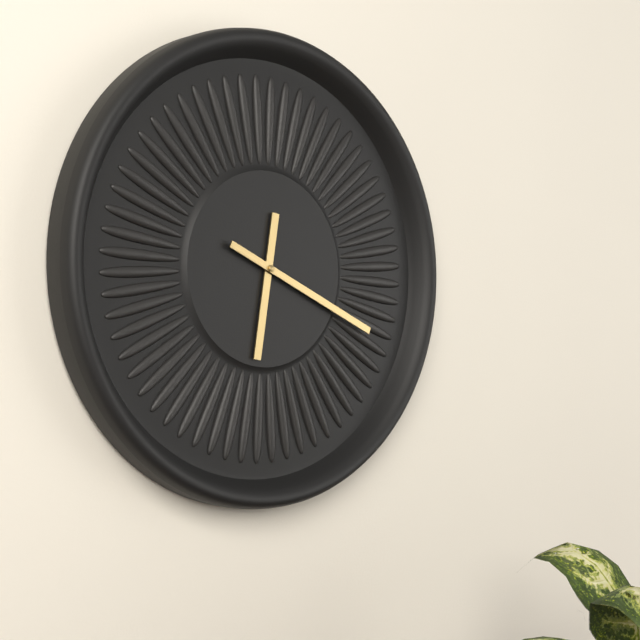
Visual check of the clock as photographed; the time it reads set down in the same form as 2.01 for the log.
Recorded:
6.19
